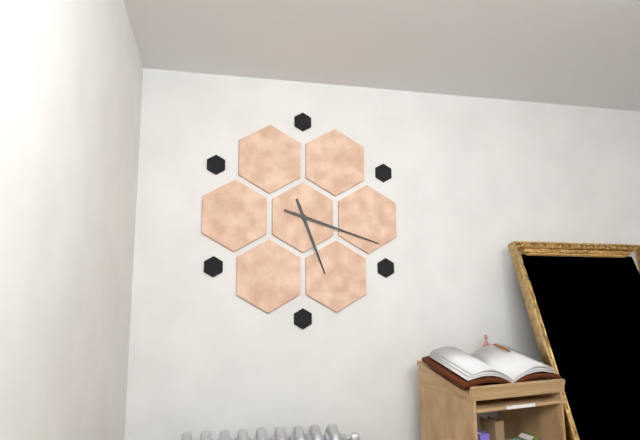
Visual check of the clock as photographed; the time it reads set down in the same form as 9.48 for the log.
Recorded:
5.18
